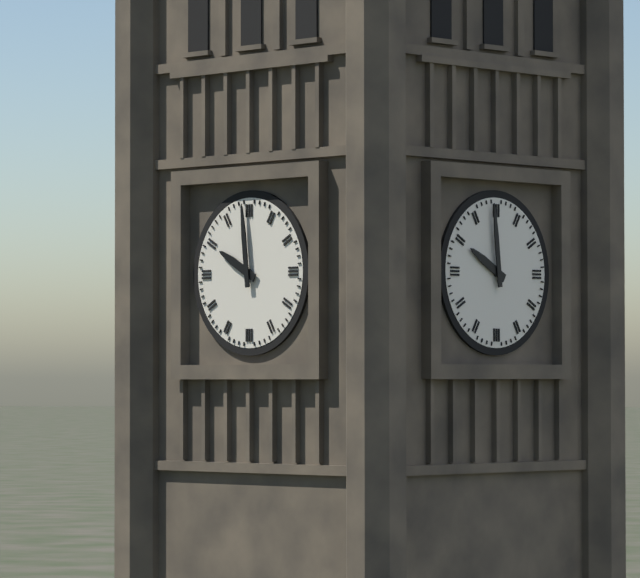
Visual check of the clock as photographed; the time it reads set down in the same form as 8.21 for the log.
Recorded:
9.59
